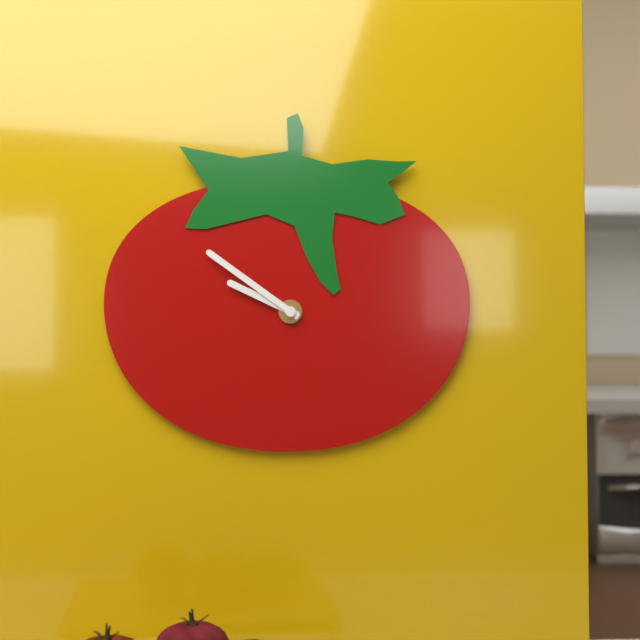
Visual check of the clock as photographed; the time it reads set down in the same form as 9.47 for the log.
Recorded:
9.51
